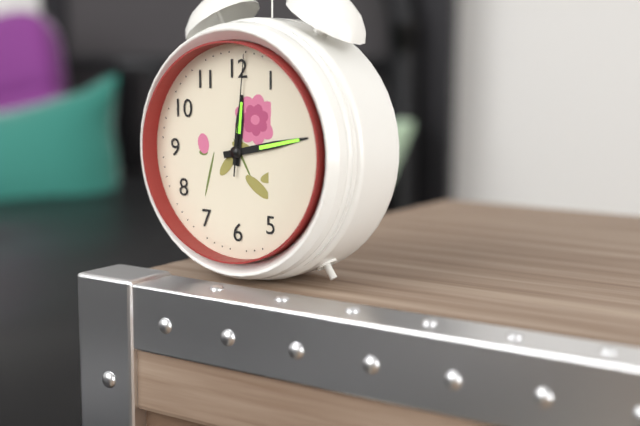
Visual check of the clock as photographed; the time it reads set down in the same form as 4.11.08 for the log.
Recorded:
12.13.01
